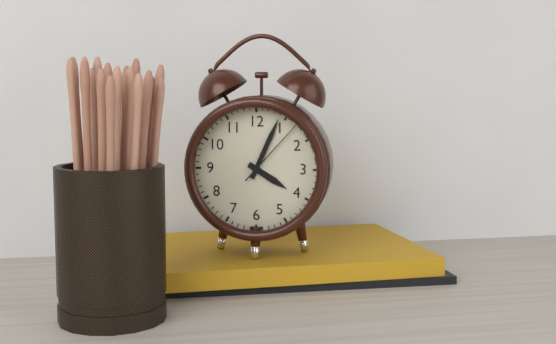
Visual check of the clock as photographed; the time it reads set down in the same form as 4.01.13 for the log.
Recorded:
4.04.07
